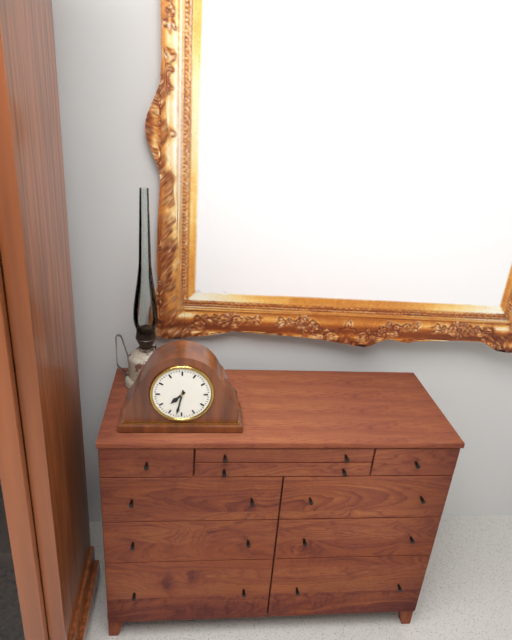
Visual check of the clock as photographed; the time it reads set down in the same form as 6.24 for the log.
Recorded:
7.32
